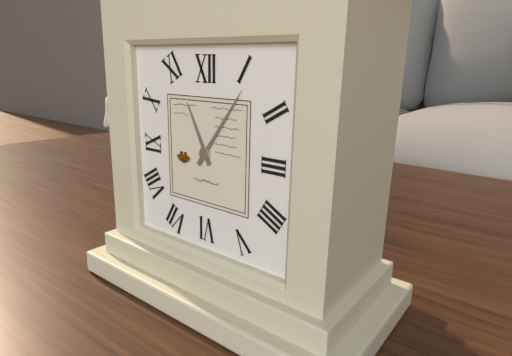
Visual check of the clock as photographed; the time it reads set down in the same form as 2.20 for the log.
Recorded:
11.06
